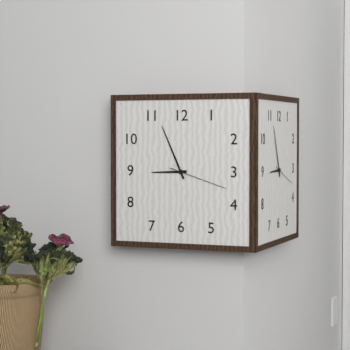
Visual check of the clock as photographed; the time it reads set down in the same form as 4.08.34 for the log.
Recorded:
8.56.18
